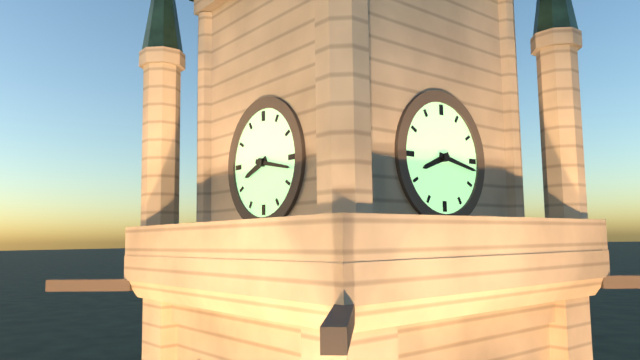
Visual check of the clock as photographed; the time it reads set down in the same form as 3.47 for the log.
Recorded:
8.17
